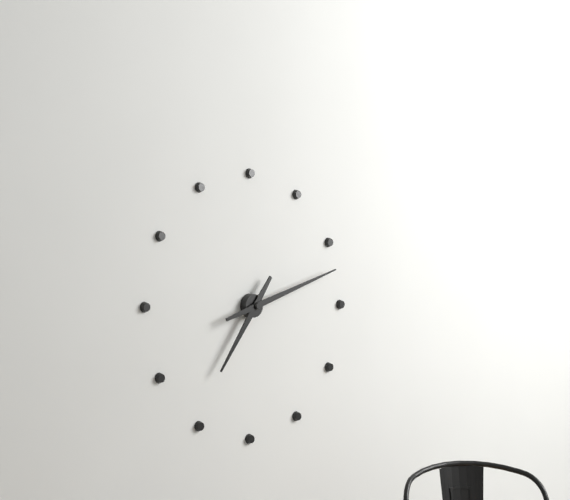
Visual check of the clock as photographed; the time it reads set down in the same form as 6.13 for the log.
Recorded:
7.12
